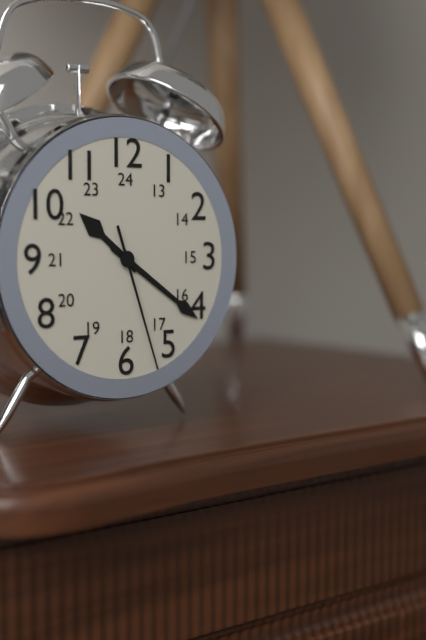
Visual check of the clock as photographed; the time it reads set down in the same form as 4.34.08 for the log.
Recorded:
10.21.27
